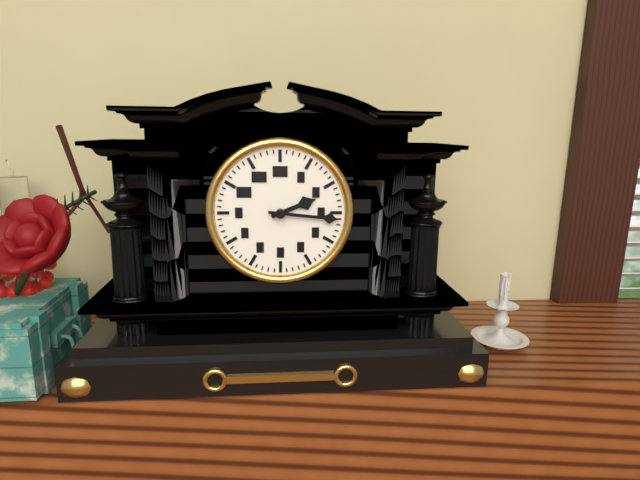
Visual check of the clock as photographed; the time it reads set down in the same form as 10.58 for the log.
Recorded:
2.16
